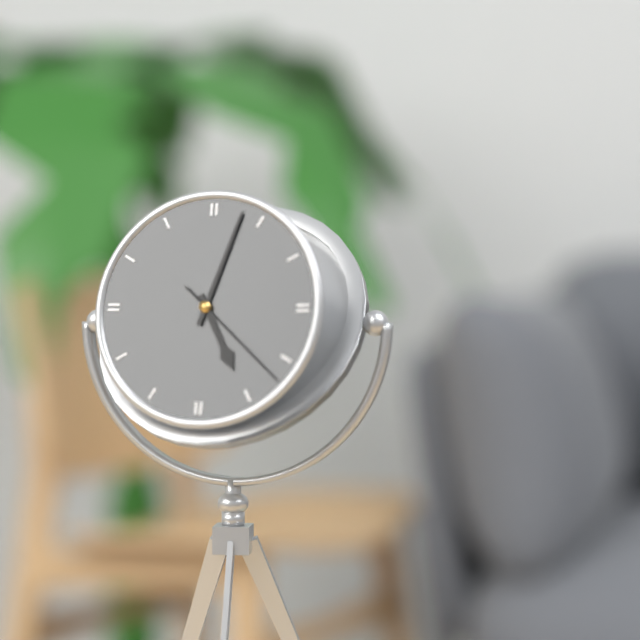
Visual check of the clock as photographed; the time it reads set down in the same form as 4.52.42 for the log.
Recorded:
5.03.22
